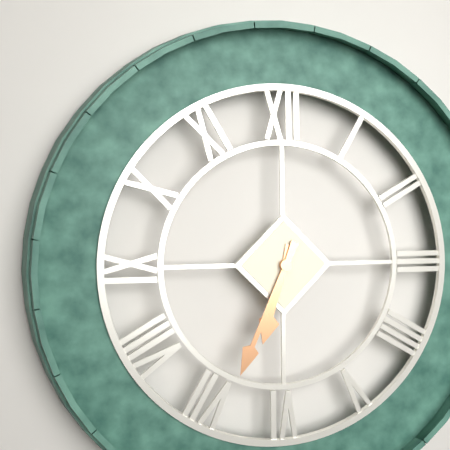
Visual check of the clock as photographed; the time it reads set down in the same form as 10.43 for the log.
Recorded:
6.34
